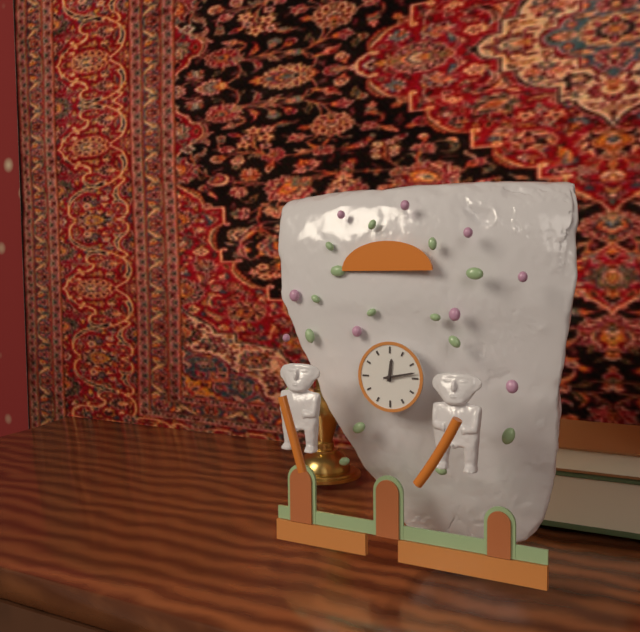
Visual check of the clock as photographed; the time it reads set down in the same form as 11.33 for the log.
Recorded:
12.13
